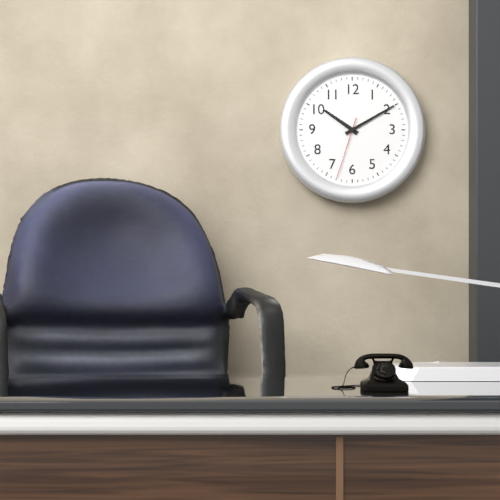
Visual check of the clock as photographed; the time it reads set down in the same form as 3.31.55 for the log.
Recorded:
10.10.33
